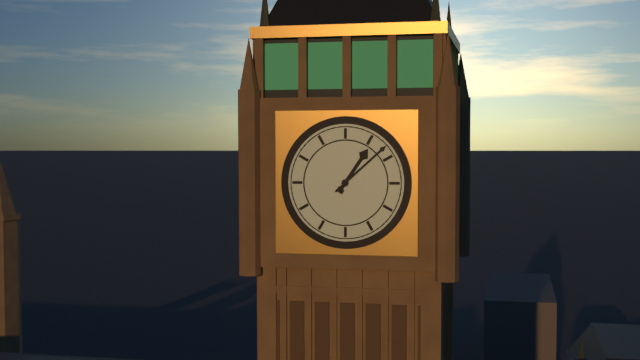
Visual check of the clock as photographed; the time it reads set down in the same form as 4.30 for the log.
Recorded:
1.08
